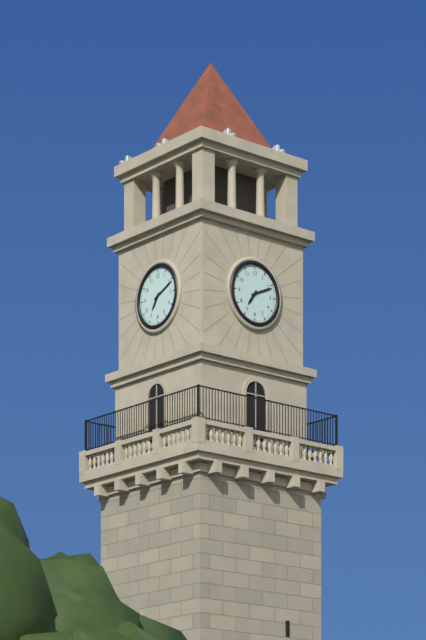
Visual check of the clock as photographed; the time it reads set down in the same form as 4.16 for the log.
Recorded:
7.11
